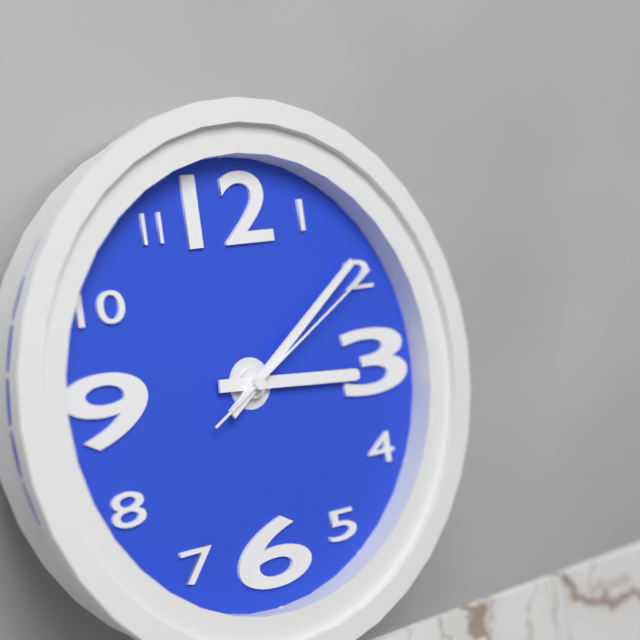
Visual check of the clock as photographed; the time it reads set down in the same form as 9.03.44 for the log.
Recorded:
3.09.10
